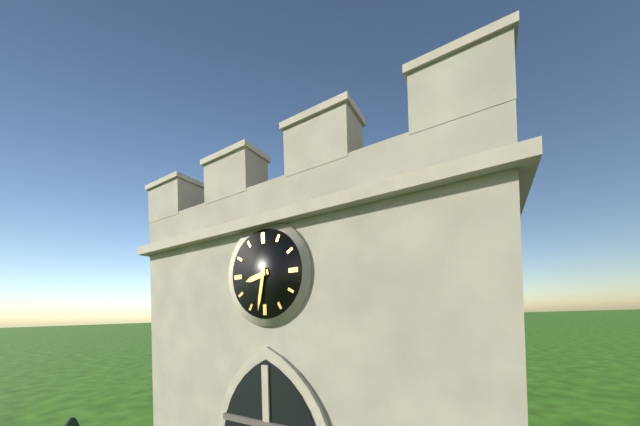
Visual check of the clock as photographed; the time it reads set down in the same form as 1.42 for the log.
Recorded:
8.32
